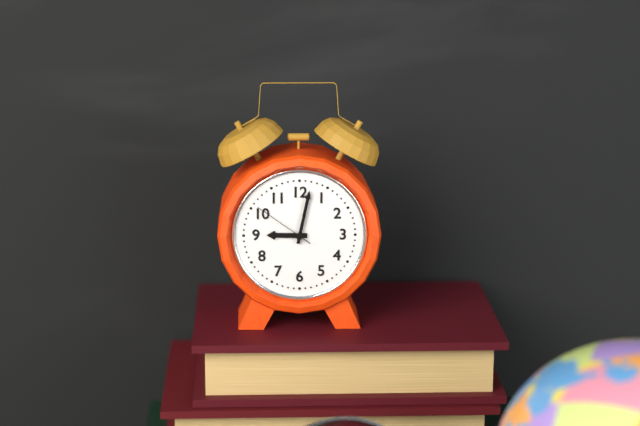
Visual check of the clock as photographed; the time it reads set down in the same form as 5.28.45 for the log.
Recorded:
9.02.51
